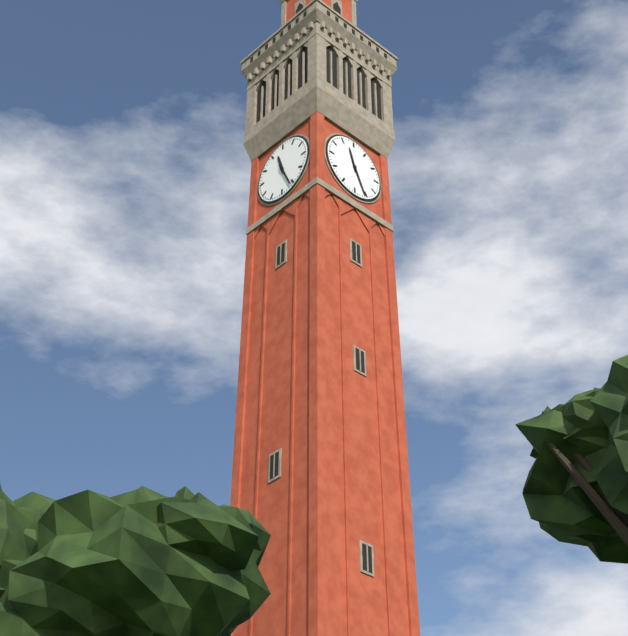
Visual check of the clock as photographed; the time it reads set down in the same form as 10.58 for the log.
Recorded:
11.26
